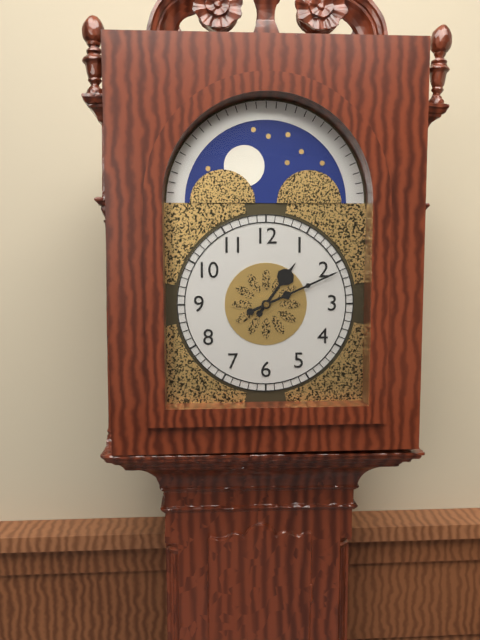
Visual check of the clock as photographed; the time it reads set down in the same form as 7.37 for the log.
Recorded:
1.11
